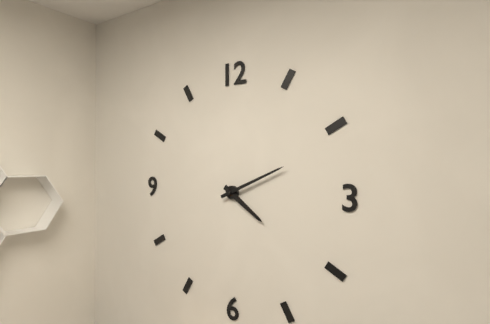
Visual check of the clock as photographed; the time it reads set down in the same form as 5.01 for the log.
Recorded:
4.11
